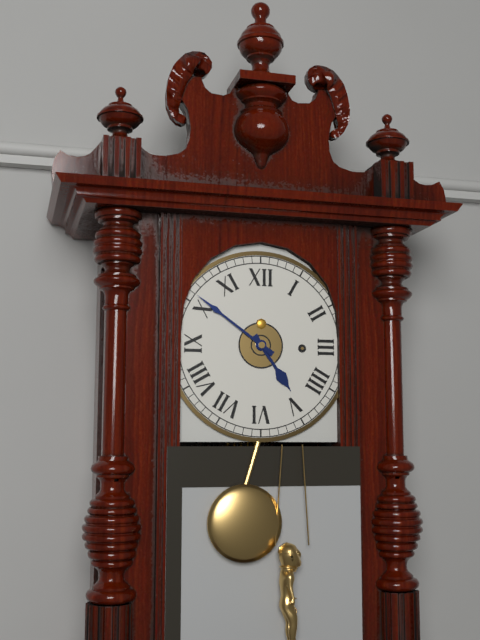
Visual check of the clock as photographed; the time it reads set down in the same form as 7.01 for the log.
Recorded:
4.51
